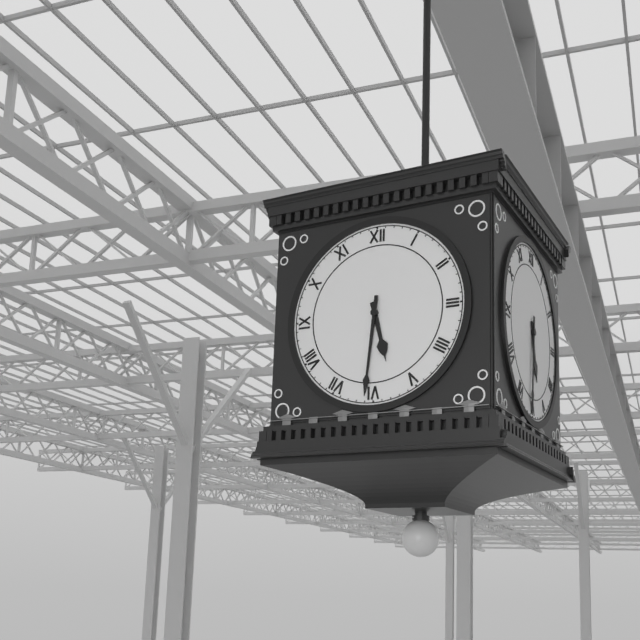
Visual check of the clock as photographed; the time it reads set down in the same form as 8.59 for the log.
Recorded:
5.31
